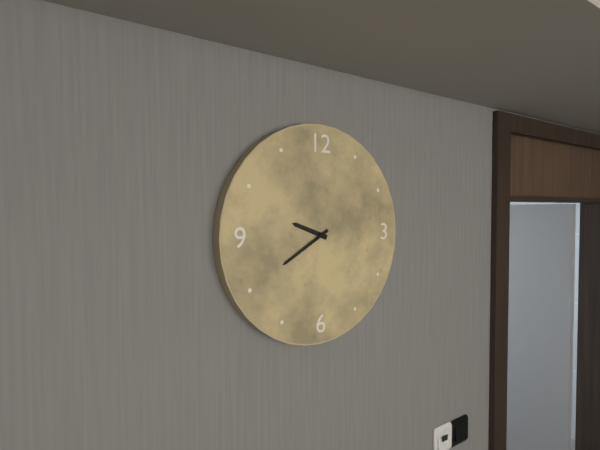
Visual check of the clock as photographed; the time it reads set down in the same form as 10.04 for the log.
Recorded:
9.40
